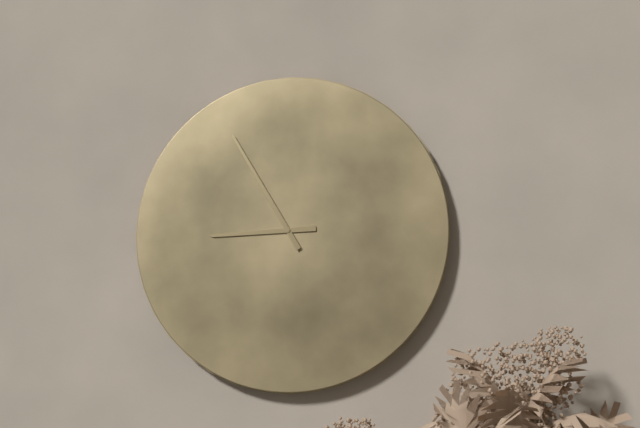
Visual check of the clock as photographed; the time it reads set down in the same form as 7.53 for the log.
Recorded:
8.55
